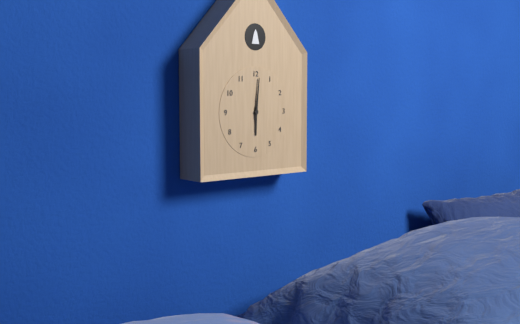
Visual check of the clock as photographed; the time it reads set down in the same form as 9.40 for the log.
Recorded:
6.01
